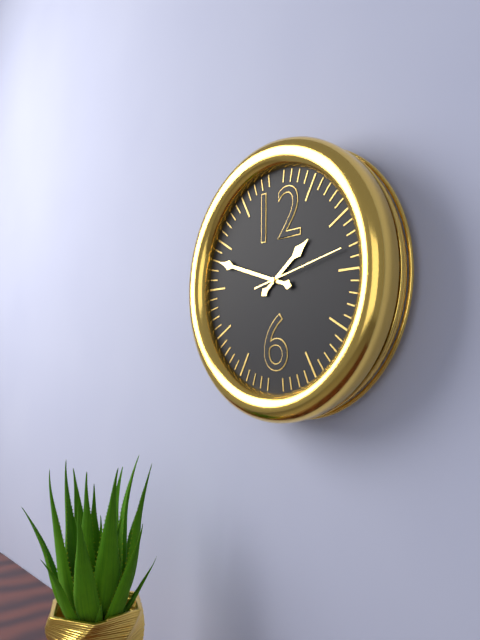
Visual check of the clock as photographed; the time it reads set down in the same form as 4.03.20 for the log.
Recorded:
1.48.13
